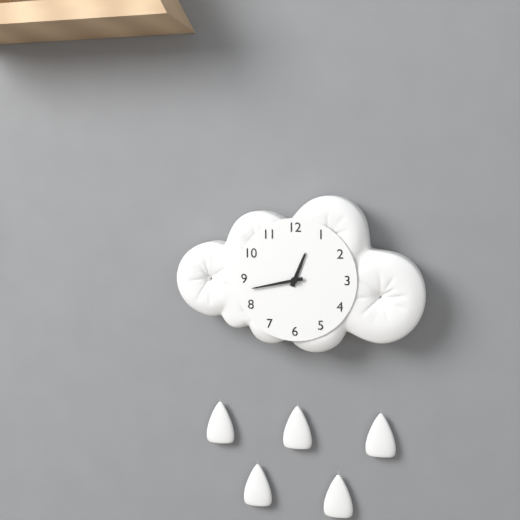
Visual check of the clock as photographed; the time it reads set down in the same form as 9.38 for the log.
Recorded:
12.43
